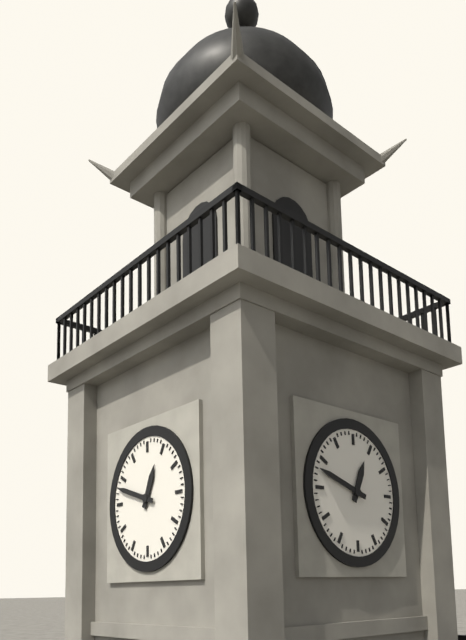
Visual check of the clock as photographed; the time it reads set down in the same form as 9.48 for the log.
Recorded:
12.48
